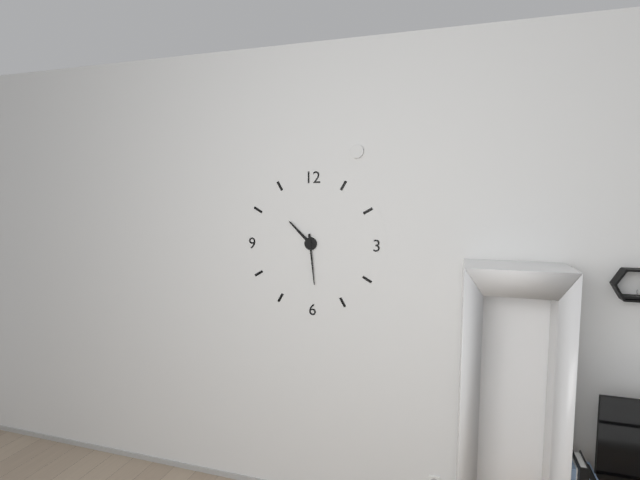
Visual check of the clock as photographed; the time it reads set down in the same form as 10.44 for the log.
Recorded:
10.29
